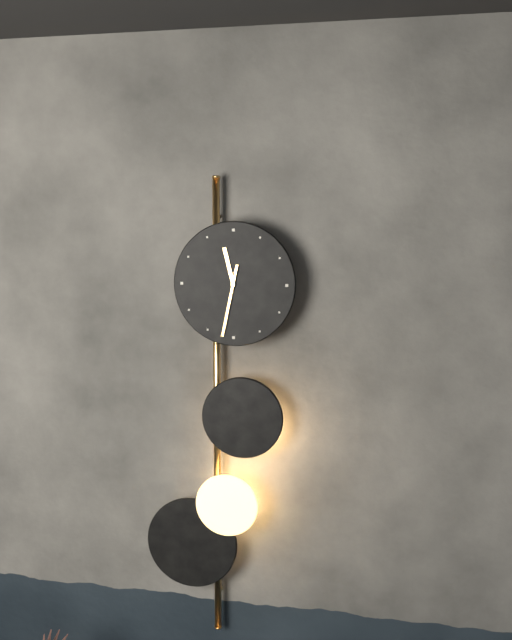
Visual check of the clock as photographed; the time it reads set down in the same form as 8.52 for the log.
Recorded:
11.32
